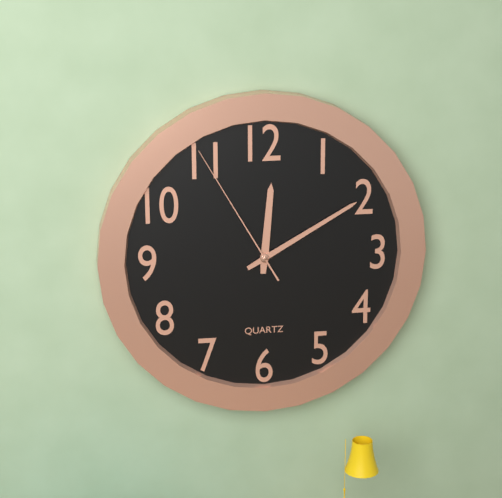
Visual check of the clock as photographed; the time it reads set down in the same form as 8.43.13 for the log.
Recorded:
12.10.55
